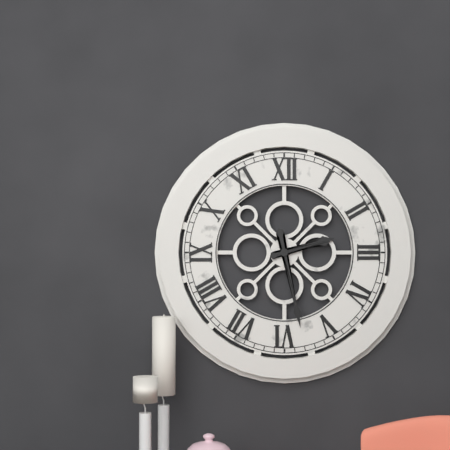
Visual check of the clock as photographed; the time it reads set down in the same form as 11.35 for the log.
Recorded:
2.28
